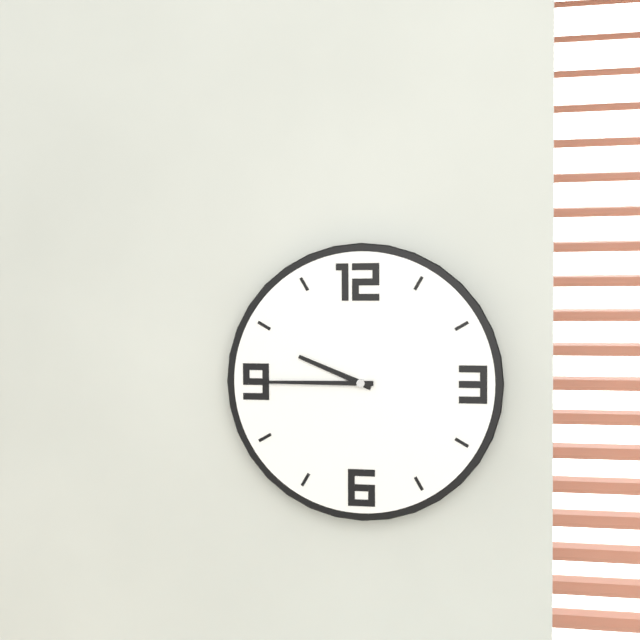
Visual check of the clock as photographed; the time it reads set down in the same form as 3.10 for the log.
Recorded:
9.45
